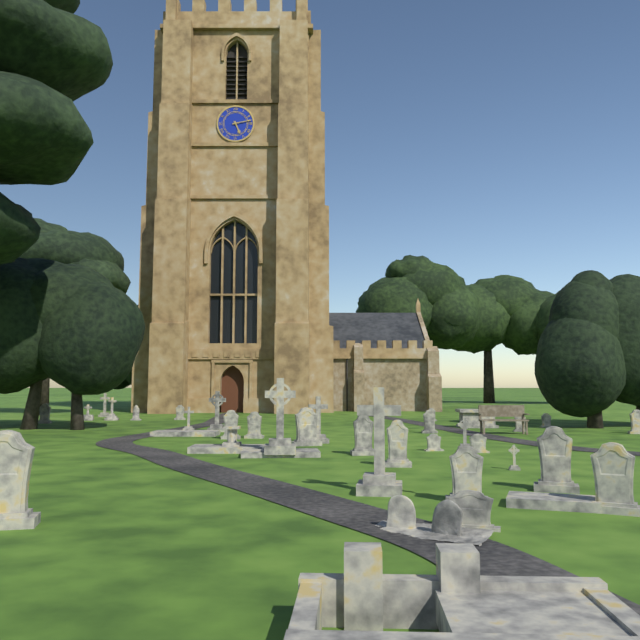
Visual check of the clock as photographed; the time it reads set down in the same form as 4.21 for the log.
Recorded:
5.13
